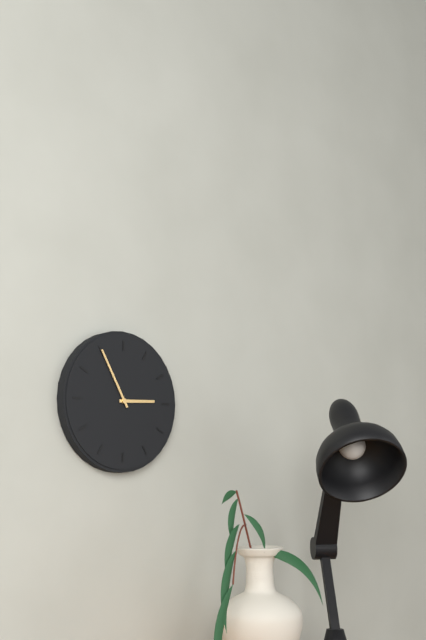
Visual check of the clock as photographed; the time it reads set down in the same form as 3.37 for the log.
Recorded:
2.55
